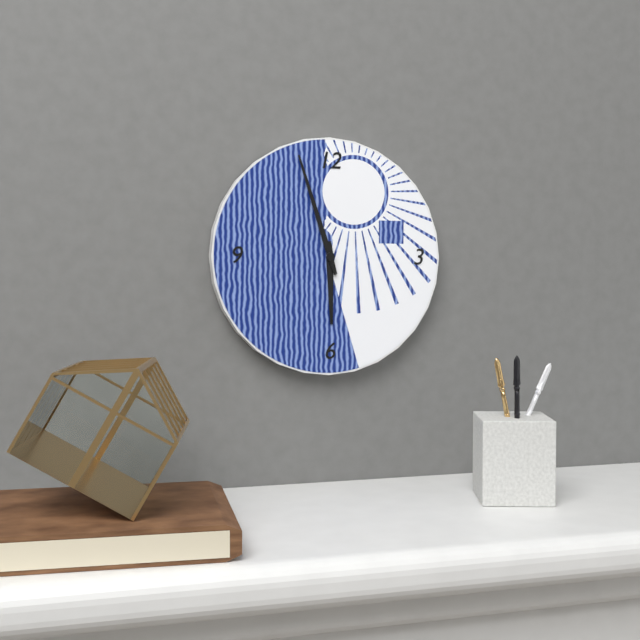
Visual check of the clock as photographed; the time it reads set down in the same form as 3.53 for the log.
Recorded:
5.57
